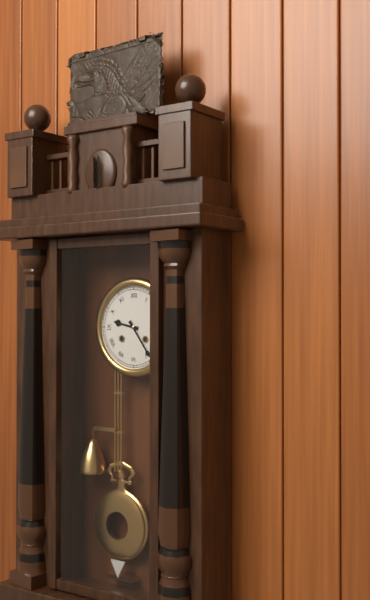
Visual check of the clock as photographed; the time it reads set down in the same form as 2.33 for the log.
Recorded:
9.24
